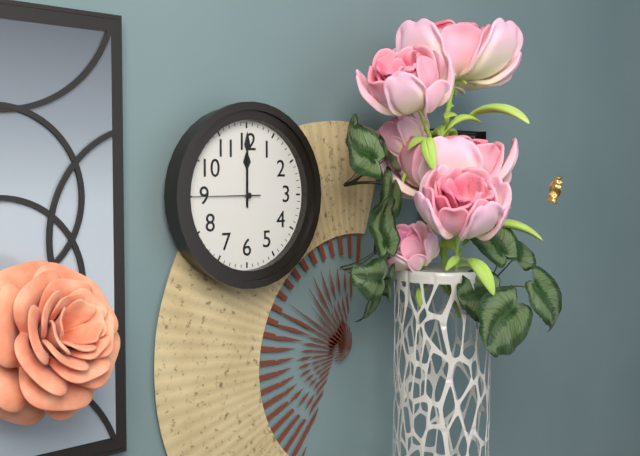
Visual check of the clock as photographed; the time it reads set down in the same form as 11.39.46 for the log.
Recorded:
12.00.45
